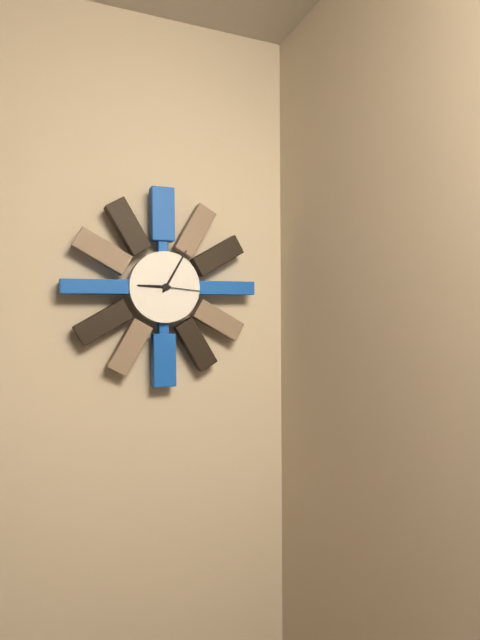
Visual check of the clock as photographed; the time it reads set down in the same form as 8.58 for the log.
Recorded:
9.05
